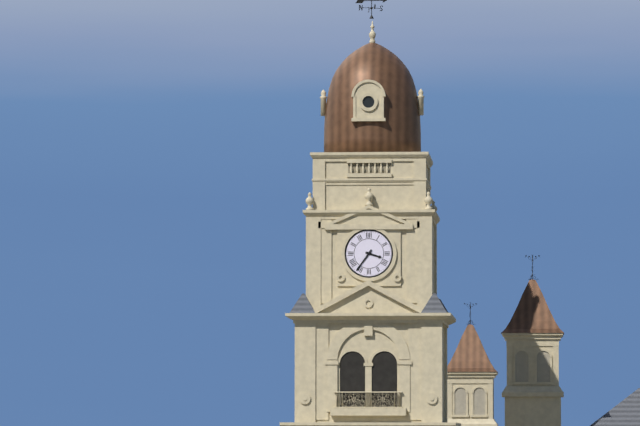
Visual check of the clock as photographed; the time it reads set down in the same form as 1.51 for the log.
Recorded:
3.36
